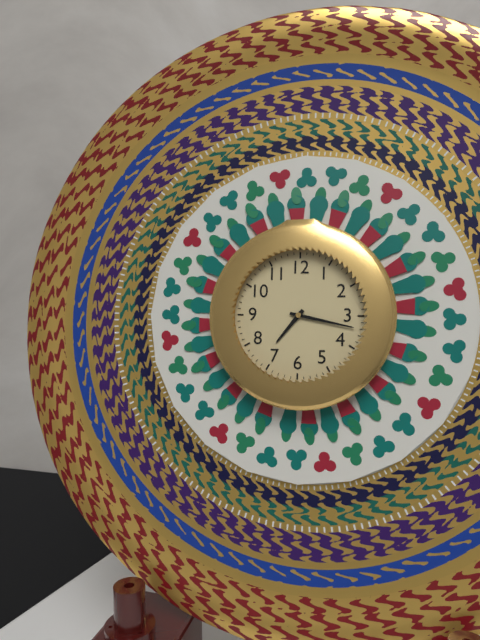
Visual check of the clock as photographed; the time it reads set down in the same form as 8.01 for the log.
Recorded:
7.17
